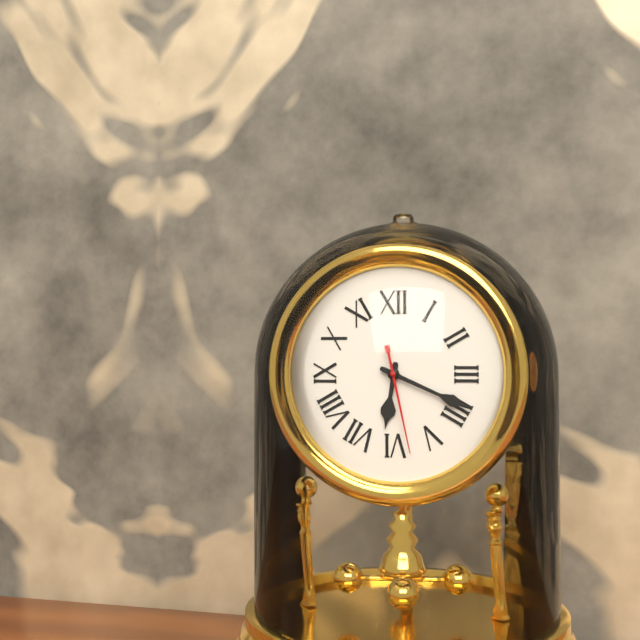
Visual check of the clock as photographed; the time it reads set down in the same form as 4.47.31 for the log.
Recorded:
6.19.28
